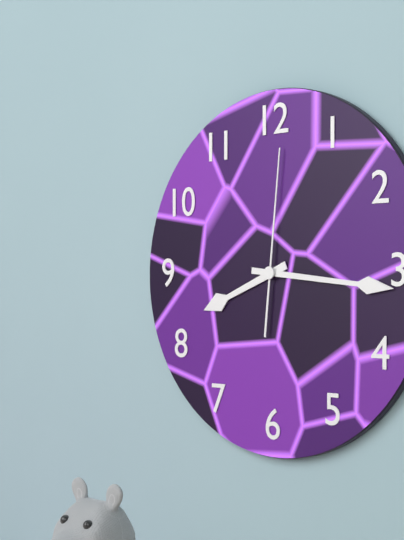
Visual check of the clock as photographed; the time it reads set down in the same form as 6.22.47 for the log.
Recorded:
8.16.01
